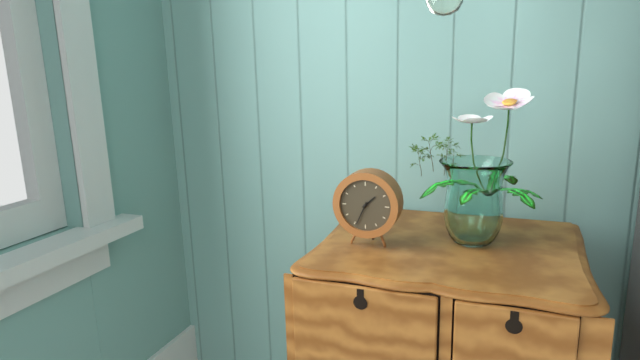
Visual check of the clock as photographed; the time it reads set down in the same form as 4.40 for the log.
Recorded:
1.34
